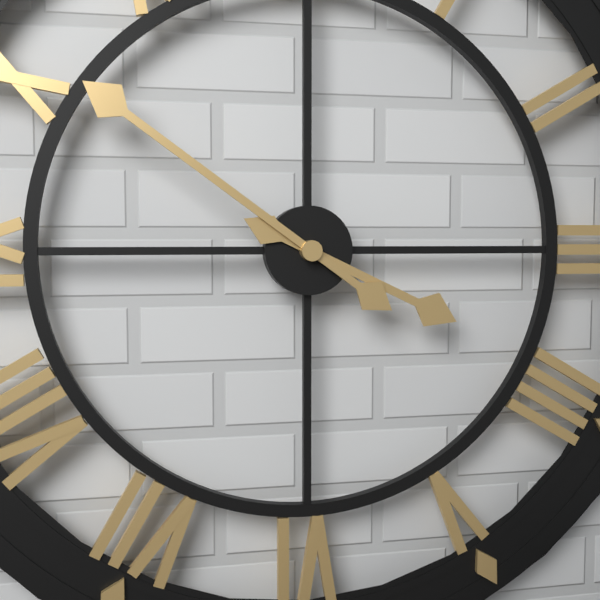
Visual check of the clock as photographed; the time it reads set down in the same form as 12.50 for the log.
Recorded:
3.51
